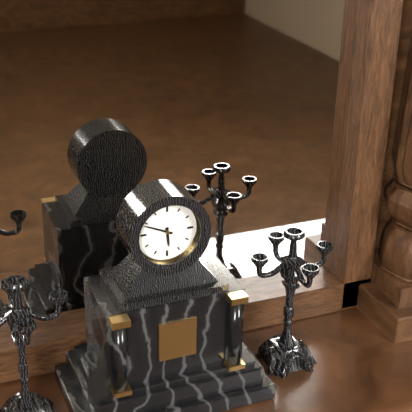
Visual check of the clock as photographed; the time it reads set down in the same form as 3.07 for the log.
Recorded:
5.49
